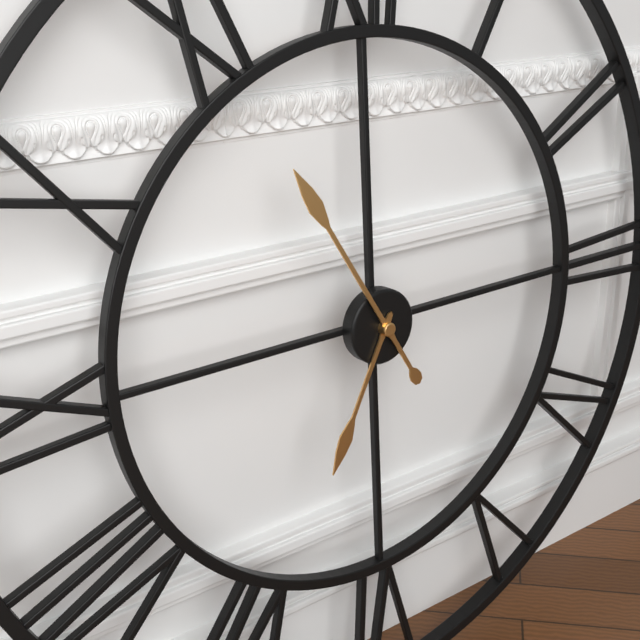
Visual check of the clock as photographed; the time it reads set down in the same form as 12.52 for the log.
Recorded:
6.55
